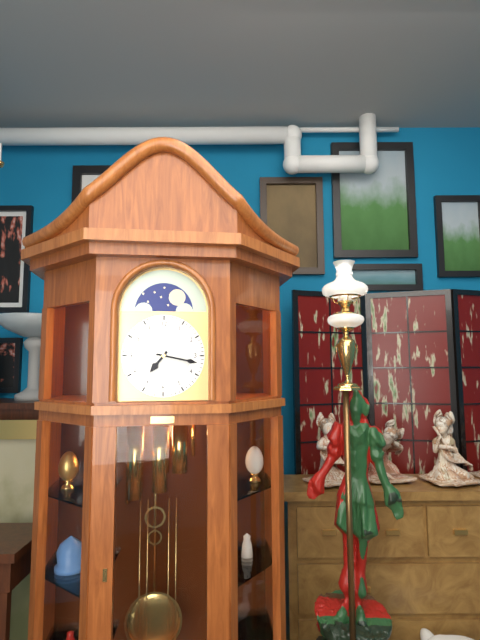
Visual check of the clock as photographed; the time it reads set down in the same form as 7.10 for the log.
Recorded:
7.17
